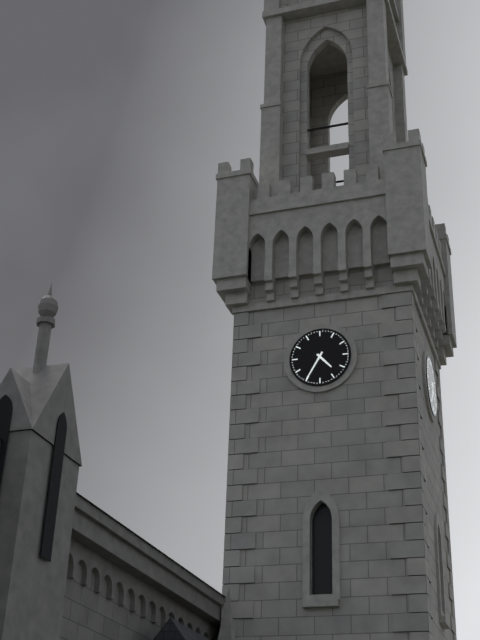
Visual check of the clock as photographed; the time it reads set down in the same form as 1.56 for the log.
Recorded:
4.35
